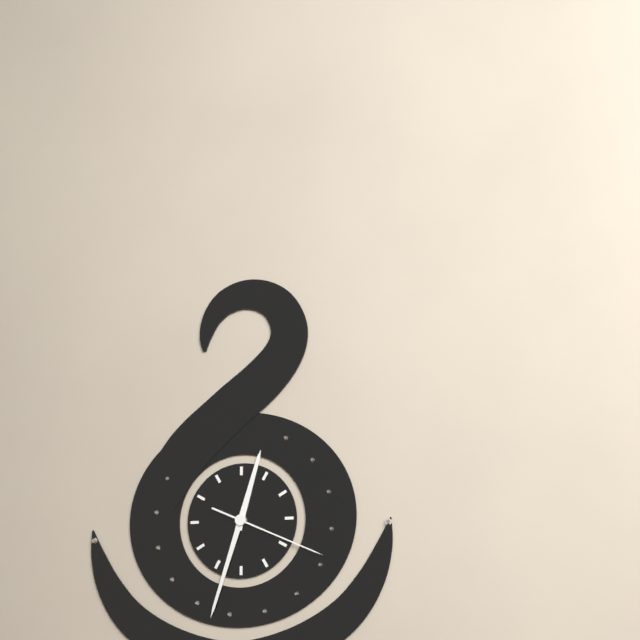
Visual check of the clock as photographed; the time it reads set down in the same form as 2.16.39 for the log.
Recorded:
12.33.19
